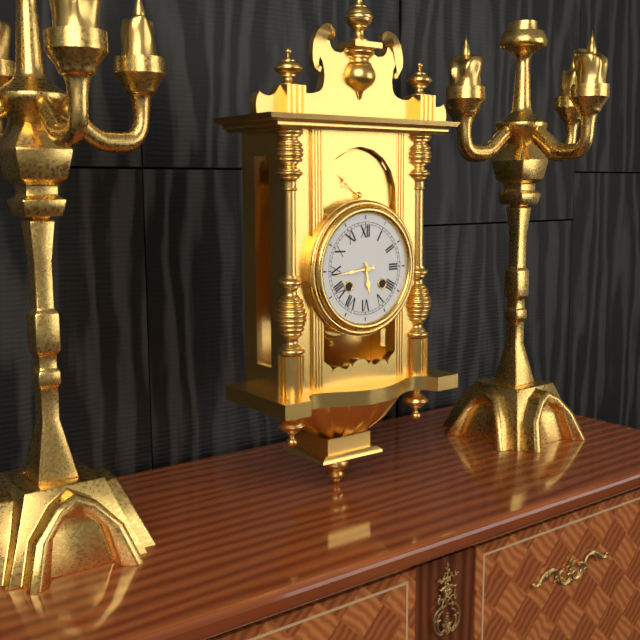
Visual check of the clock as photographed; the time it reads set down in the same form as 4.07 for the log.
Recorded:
5.44
